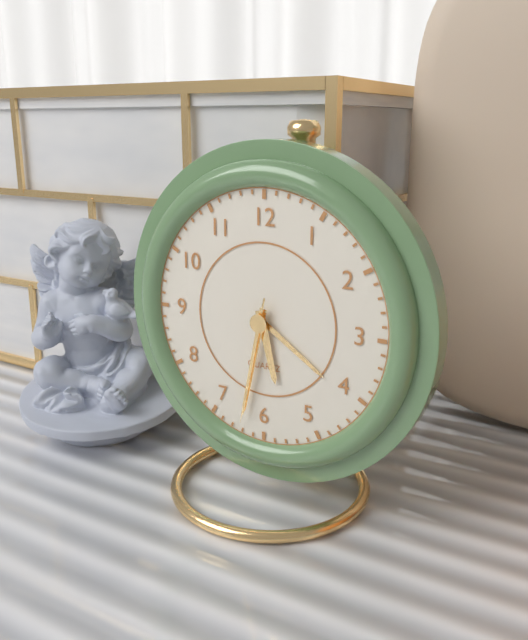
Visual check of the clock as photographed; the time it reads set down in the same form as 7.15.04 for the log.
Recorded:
5.32.32
